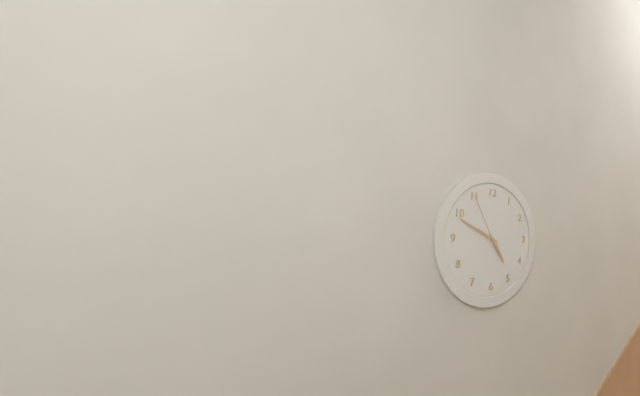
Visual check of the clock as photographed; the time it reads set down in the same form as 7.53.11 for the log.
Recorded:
4.49.55
